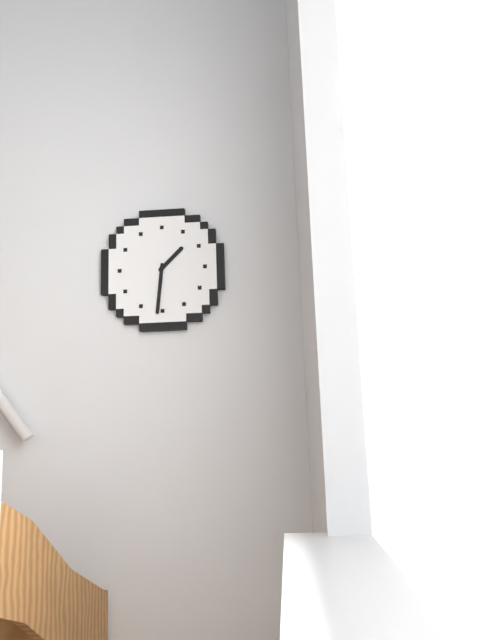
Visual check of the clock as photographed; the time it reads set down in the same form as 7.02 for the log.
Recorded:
1.31
